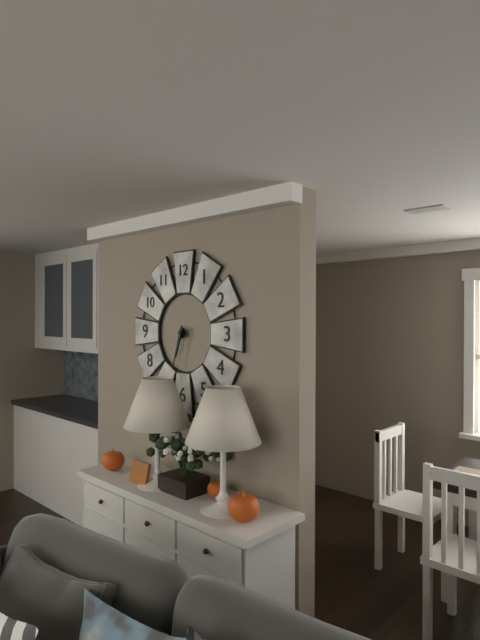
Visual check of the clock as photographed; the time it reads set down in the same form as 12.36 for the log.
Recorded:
6.33
